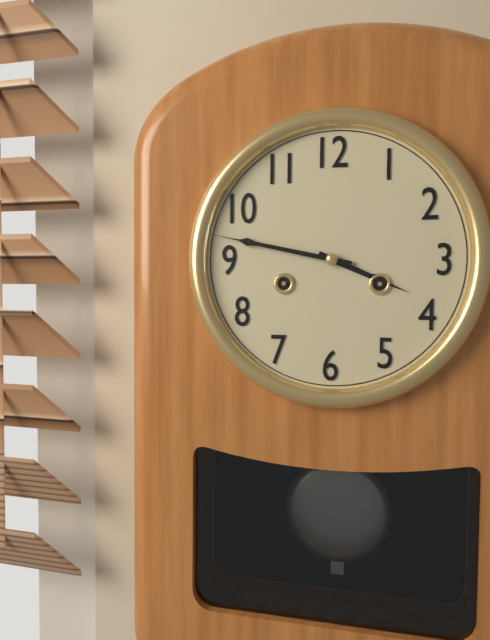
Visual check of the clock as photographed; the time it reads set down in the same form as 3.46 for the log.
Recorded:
3.47
